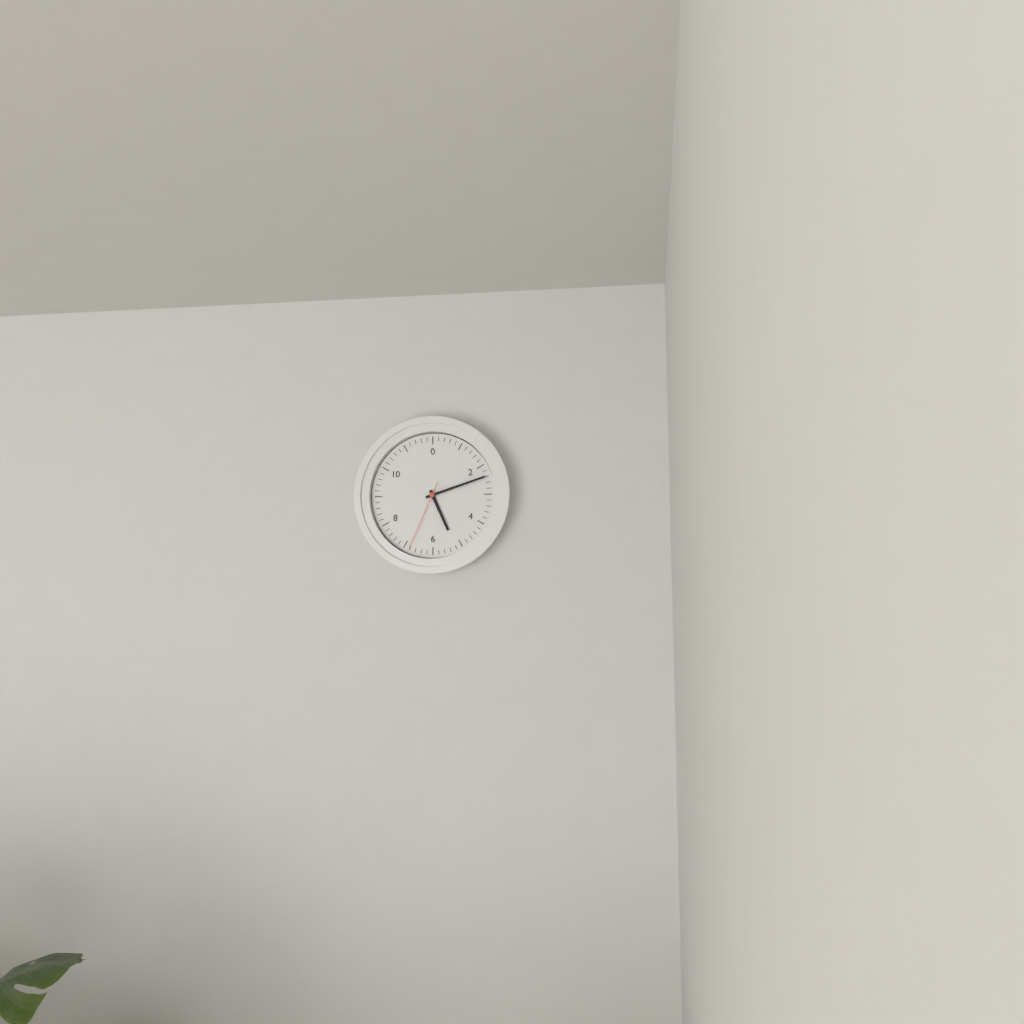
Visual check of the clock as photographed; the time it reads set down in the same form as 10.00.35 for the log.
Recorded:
5.12.34
